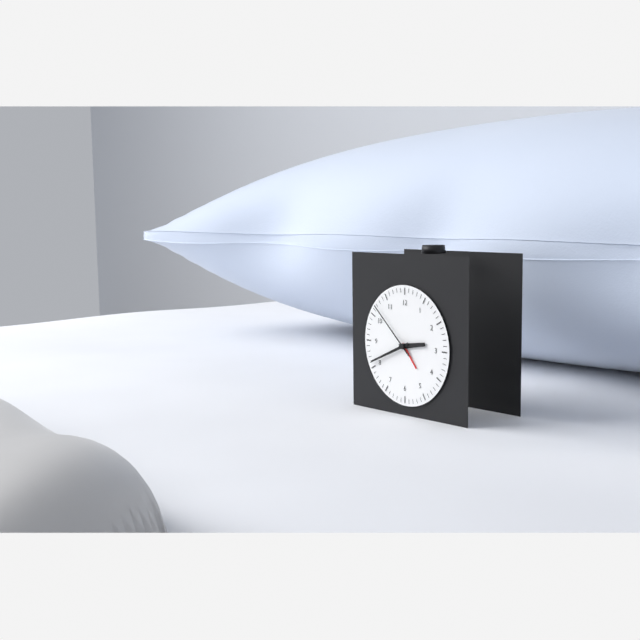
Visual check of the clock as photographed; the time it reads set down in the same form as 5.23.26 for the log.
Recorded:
2.41.52
